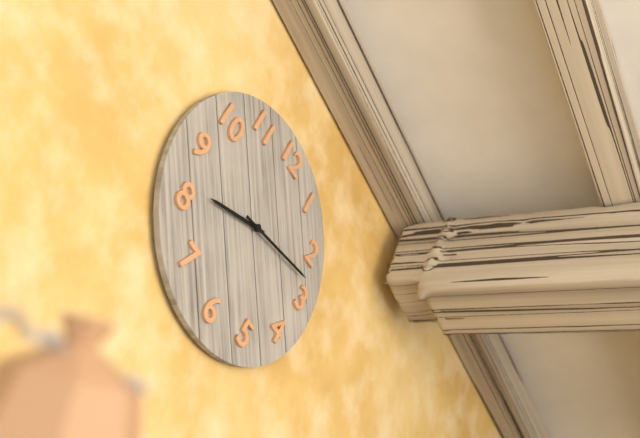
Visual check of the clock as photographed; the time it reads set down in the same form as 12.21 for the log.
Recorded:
8.13
